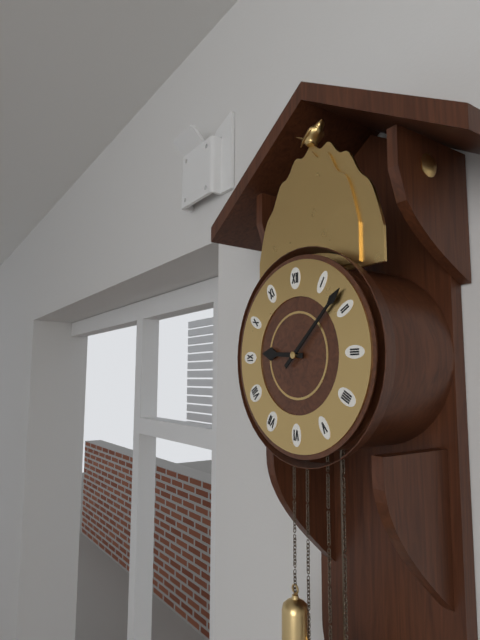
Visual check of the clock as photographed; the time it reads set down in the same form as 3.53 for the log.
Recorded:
9.08
